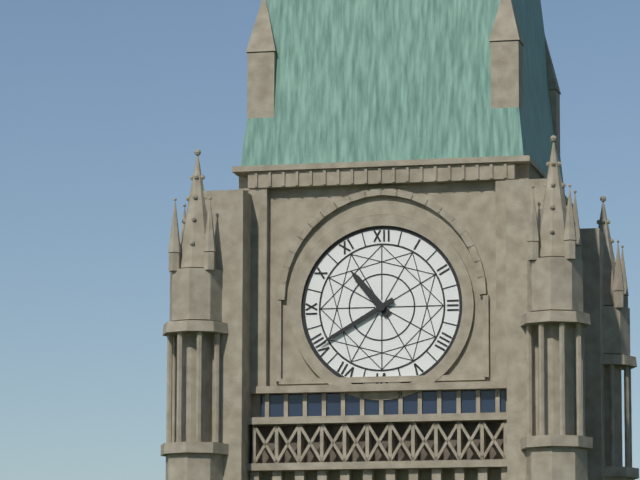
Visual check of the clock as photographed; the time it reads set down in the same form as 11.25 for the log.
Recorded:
10.40
